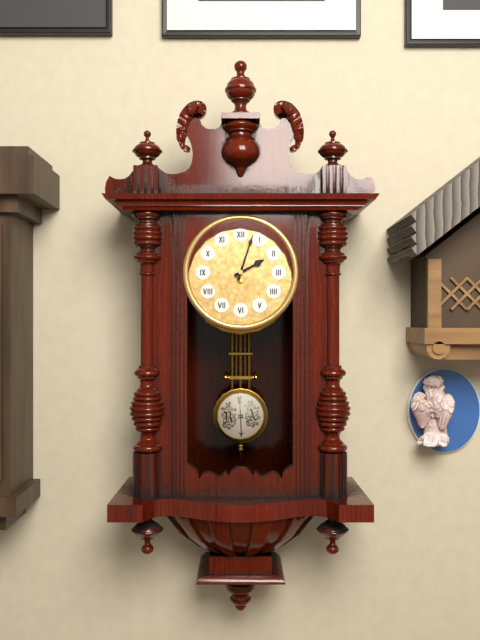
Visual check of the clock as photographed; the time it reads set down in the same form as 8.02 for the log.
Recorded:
2.03
